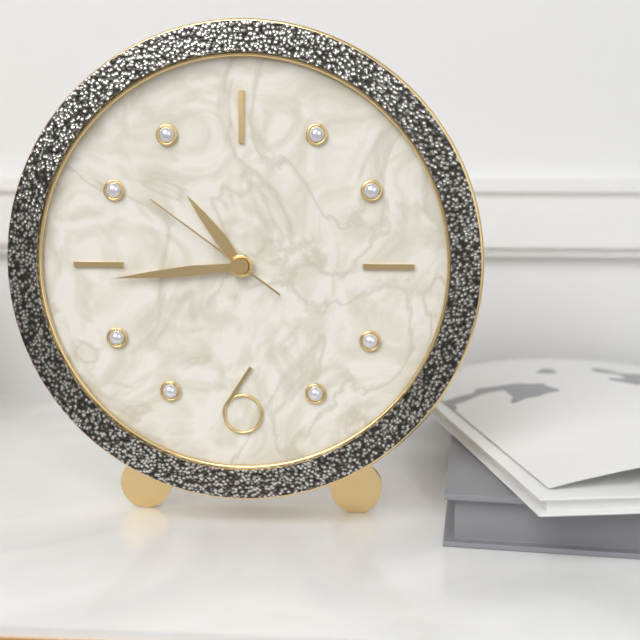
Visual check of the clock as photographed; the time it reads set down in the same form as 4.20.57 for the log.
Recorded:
10.44.51
